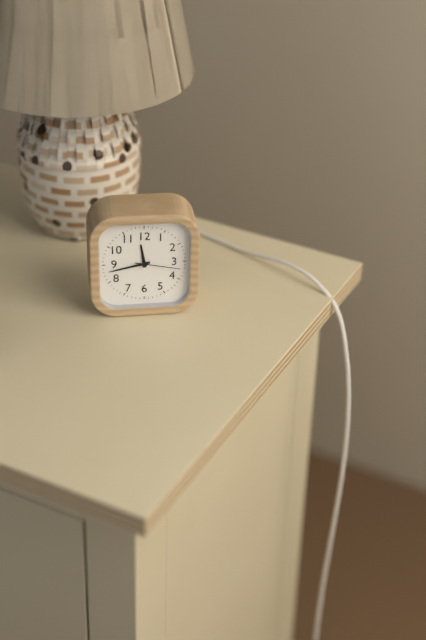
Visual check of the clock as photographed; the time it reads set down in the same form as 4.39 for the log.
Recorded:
11.43
